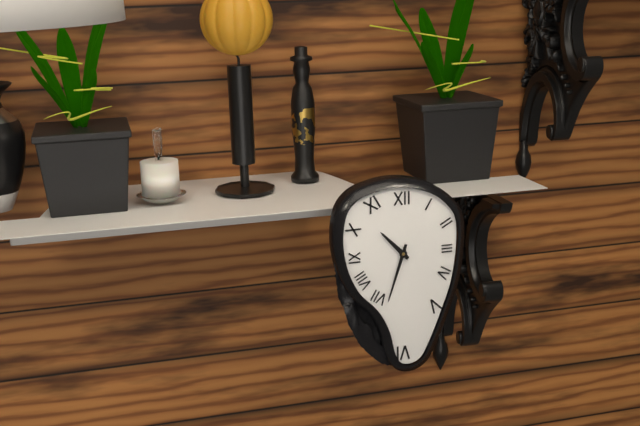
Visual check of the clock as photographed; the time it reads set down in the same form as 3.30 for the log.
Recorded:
10.33
